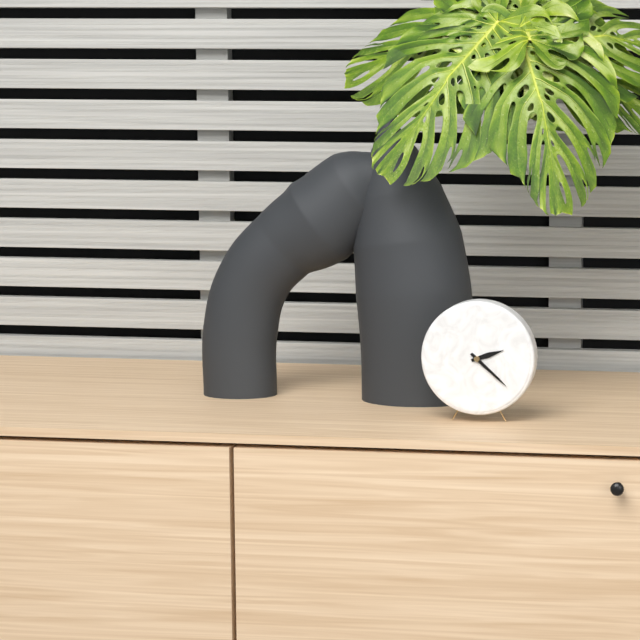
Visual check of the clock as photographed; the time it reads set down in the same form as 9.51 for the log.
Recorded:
2.22
